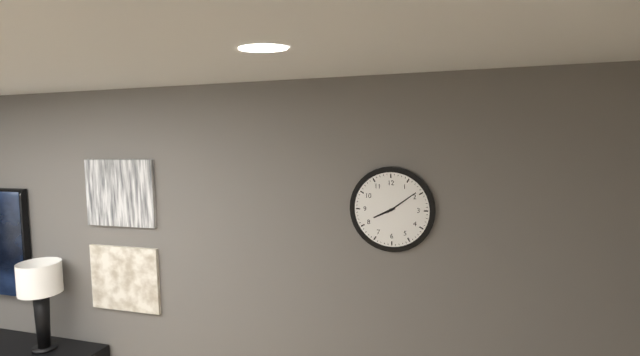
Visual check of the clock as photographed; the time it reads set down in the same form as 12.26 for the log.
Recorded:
8.09
